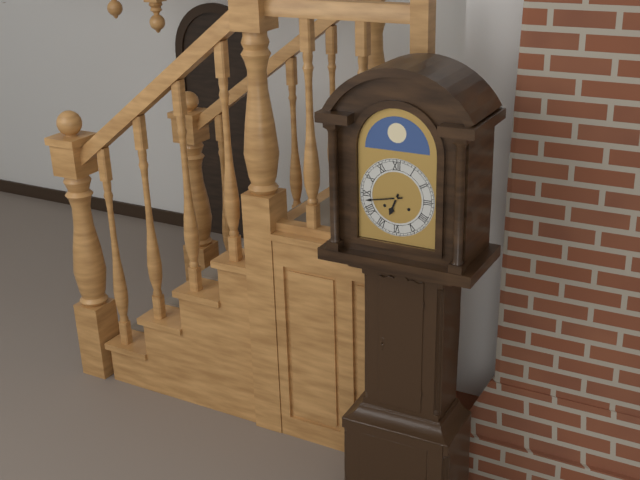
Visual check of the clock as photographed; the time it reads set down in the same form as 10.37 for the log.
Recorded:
6.43
